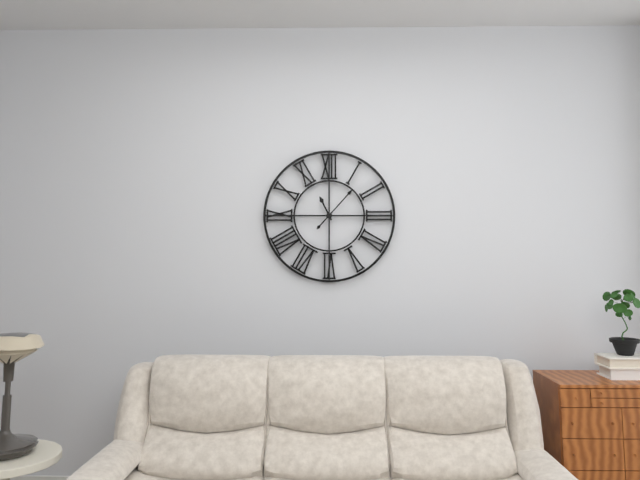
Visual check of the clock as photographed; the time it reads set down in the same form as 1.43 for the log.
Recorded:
11.07
